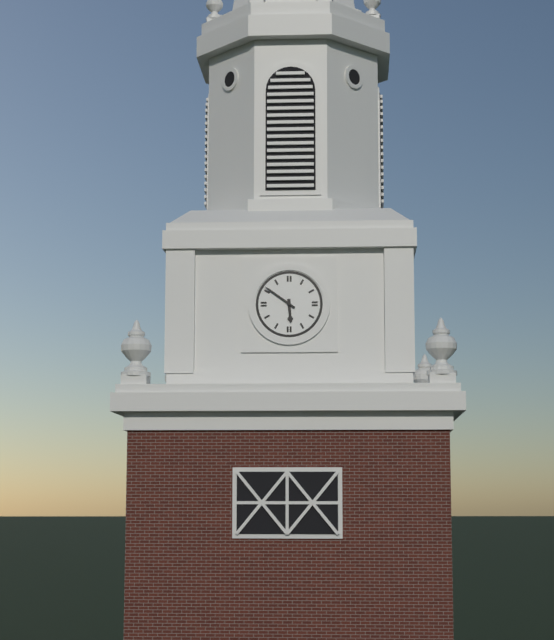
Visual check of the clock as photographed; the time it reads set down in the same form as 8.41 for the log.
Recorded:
5.51
